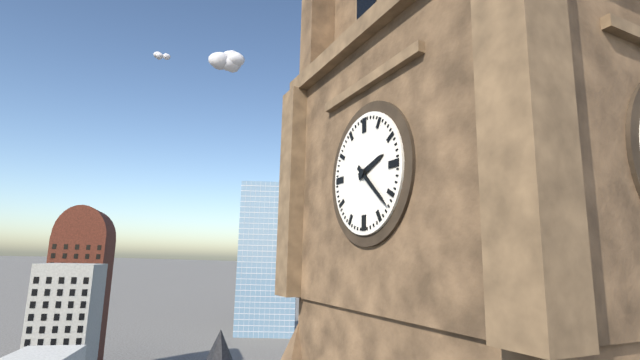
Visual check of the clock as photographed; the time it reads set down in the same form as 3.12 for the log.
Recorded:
2.22
